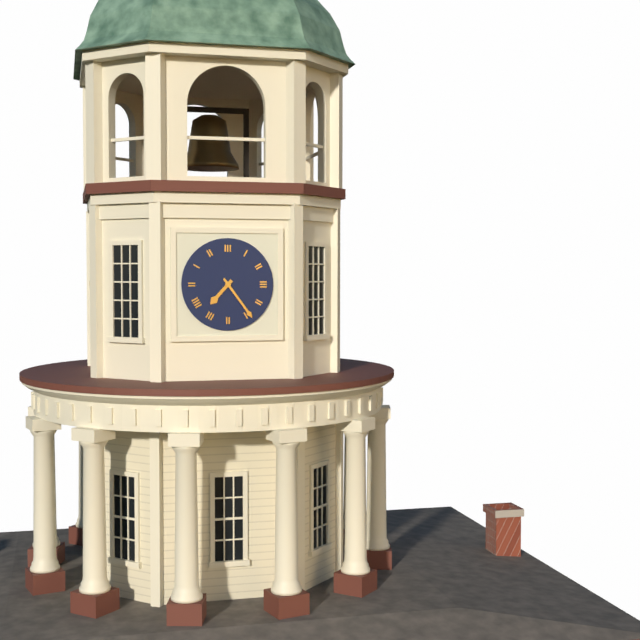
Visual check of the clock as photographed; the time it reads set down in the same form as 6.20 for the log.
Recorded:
7.24
